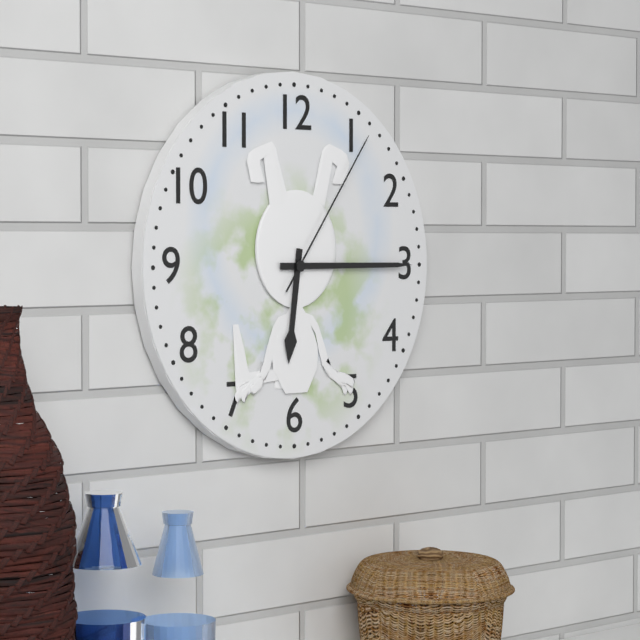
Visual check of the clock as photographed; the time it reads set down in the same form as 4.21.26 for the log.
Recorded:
6.15.06
